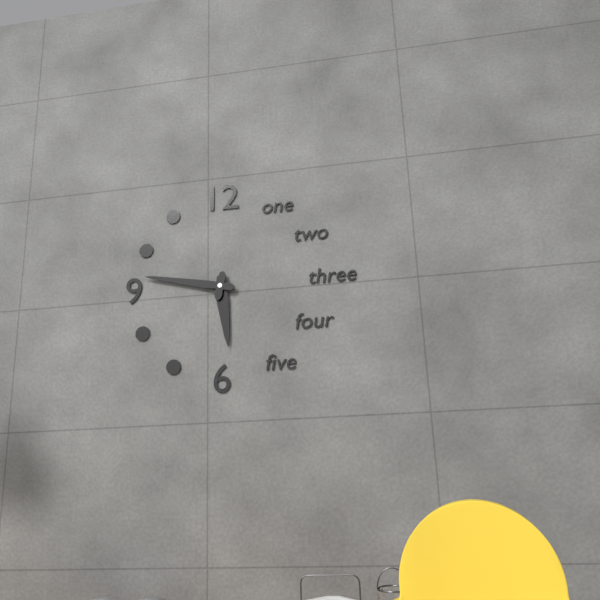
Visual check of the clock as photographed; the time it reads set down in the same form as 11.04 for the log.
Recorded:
5.47
